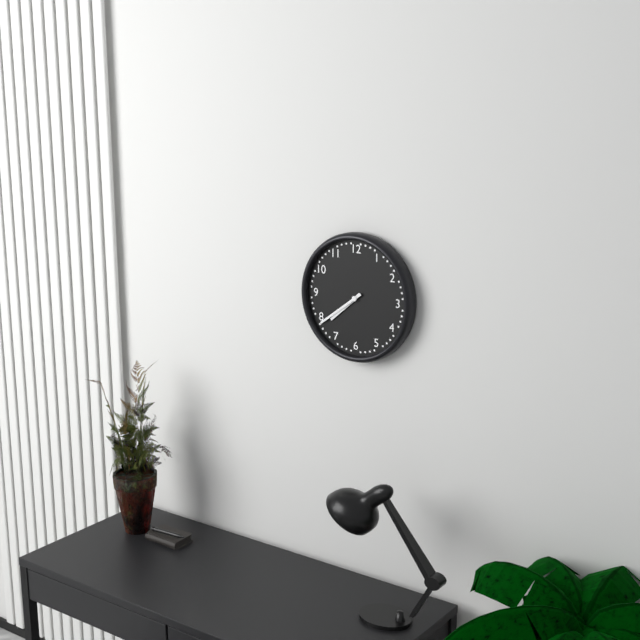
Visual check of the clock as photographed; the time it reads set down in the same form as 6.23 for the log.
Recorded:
7.39
